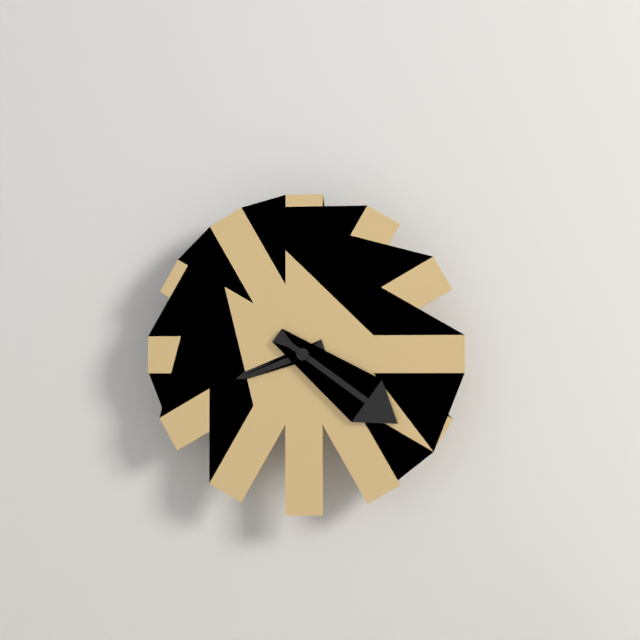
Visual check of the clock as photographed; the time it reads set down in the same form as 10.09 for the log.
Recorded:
8.21
